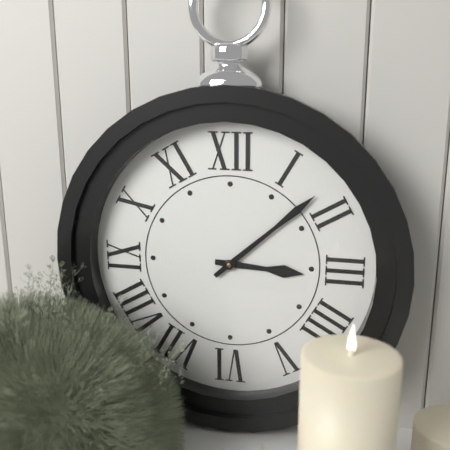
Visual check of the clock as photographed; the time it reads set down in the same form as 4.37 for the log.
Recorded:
3.08
